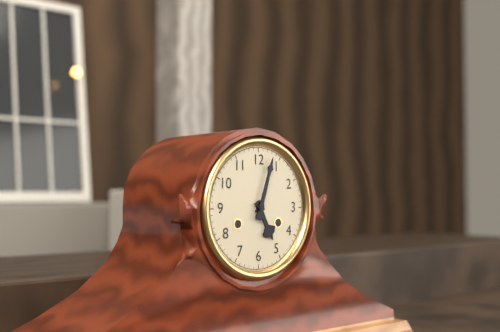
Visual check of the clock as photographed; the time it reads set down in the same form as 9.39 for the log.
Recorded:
5.03
